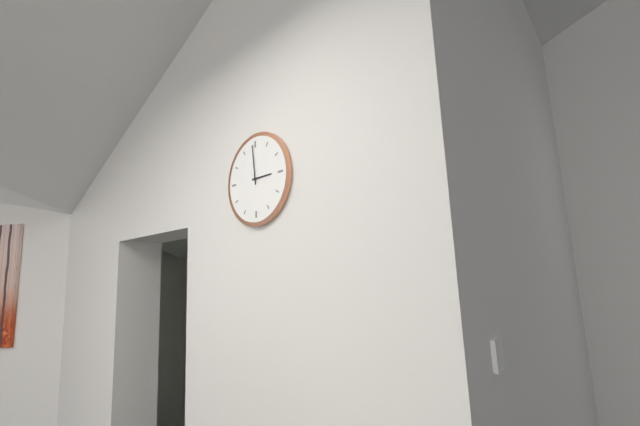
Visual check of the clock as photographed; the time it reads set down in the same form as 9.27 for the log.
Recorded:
2.59
